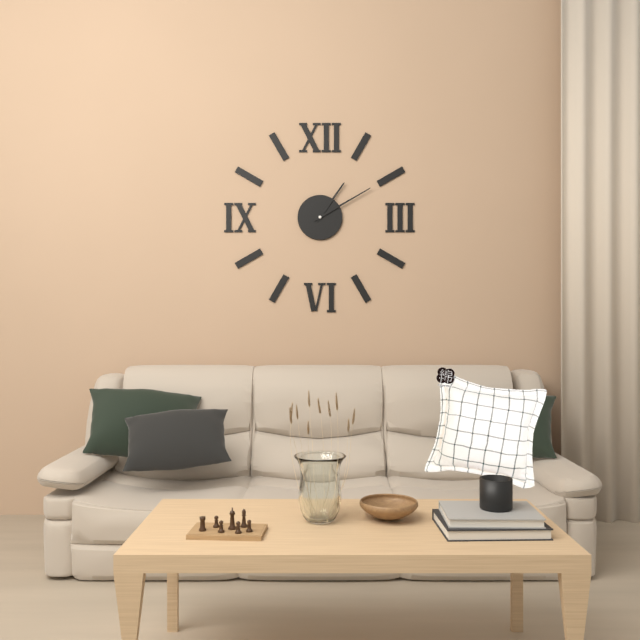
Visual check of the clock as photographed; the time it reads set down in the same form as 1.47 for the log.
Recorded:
1.10
